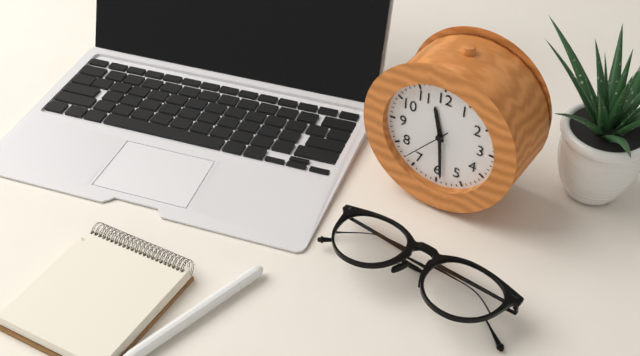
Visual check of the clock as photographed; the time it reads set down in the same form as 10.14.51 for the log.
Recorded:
11.29.37
